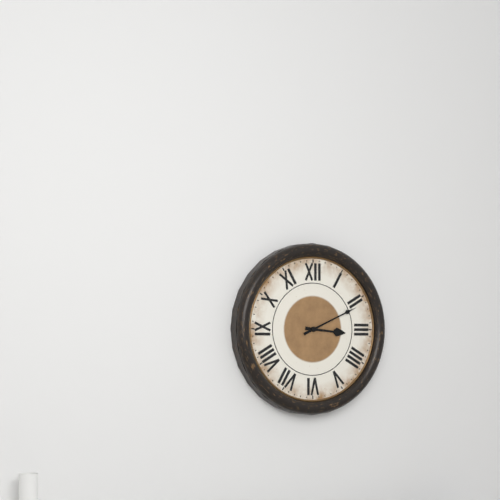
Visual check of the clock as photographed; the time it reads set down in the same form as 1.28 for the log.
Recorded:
3.11
